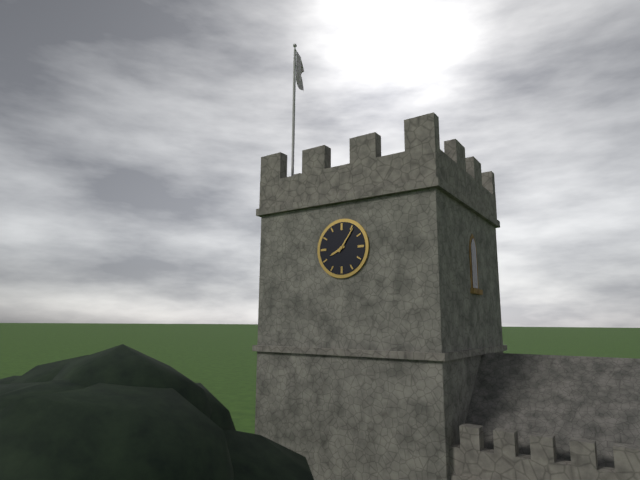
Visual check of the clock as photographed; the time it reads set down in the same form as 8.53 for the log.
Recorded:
8.06
